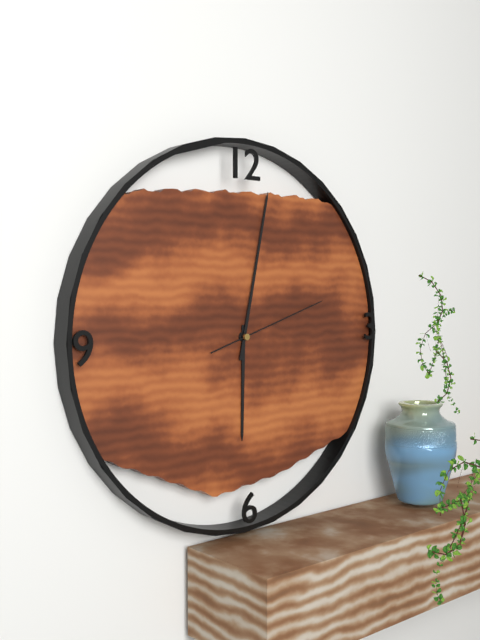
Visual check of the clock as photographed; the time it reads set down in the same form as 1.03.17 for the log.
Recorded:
6.02.12
